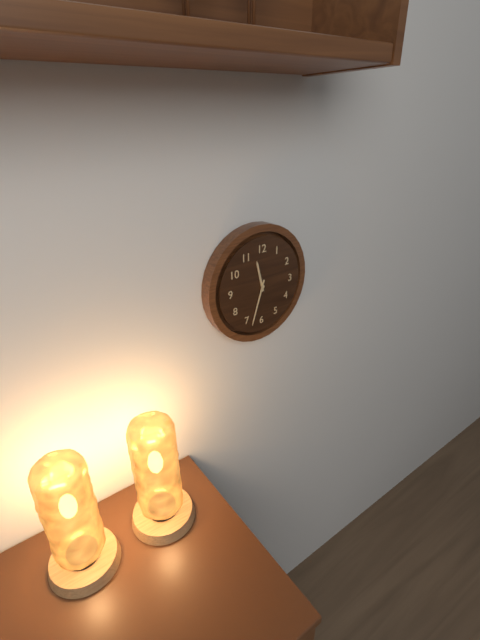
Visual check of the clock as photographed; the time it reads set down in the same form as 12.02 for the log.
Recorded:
11.33
